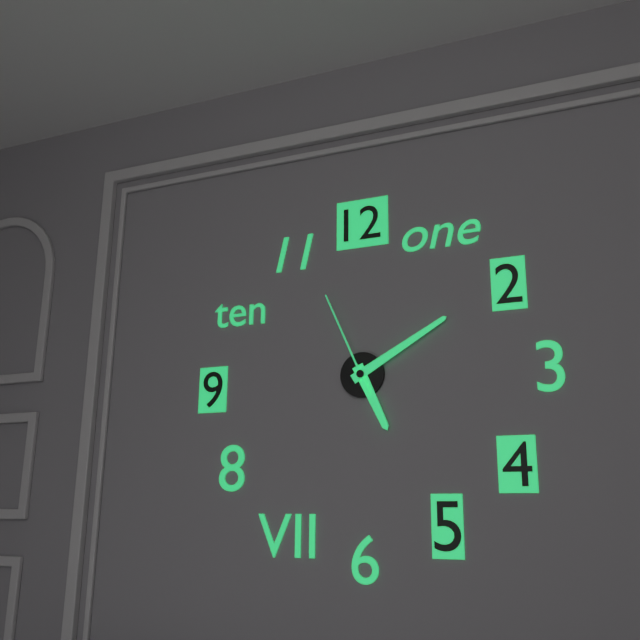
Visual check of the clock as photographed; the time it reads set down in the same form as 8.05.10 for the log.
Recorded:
5.10.56
